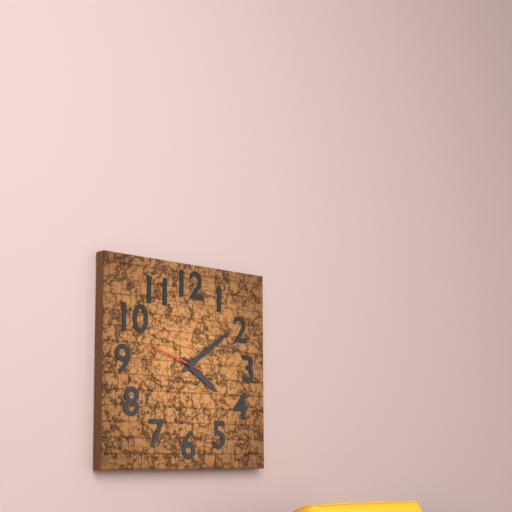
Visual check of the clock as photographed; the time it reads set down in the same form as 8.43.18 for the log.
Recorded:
4.09.48
